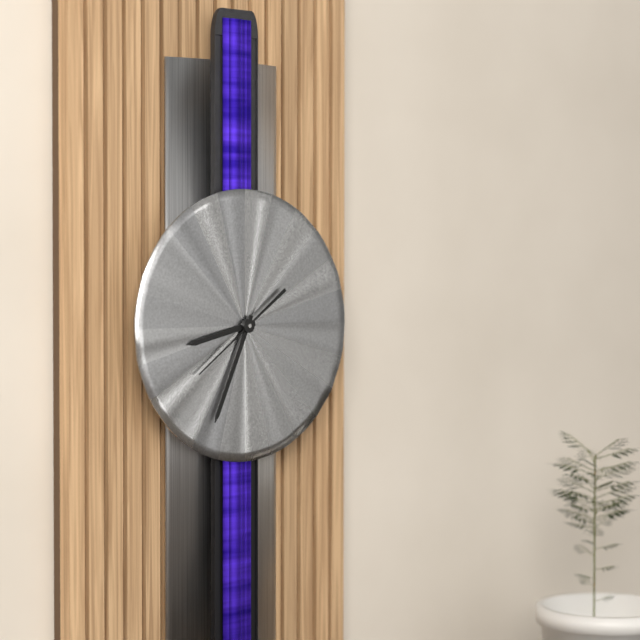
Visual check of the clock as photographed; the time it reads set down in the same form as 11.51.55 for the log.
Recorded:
8.34.39
